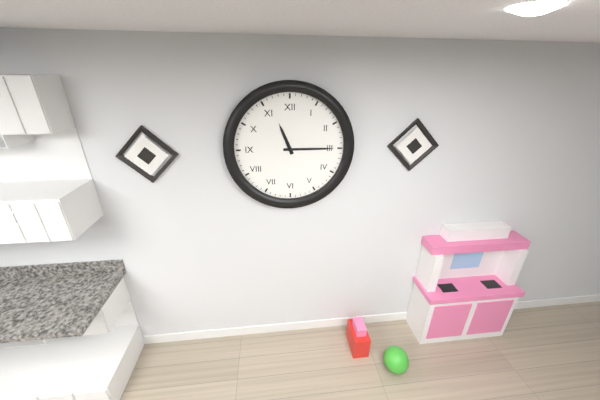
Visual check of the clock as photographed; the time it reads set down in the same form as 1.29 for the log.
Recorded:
11.15
